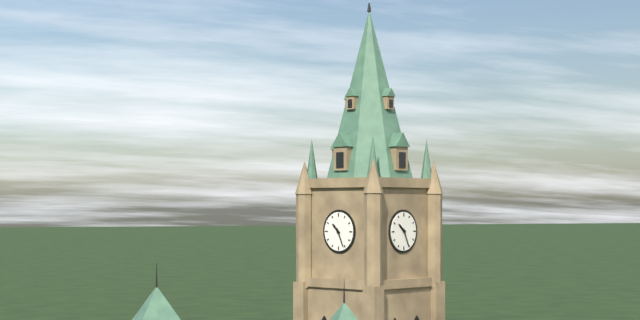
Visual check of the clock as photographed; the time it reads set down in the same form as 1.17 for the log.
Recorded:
10.26
